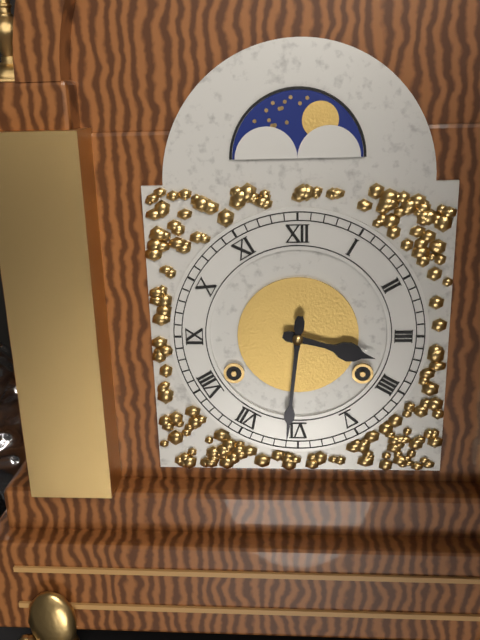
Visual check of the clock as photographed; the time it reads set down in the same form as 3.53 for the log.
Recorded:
3.31
